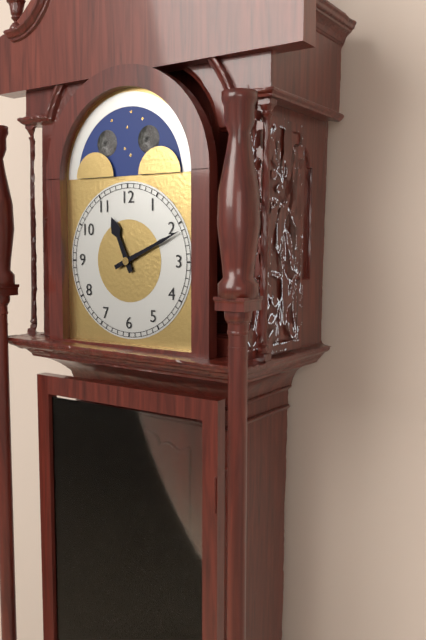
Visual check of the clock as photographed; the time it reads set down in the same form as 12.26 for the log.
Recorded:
11.11
